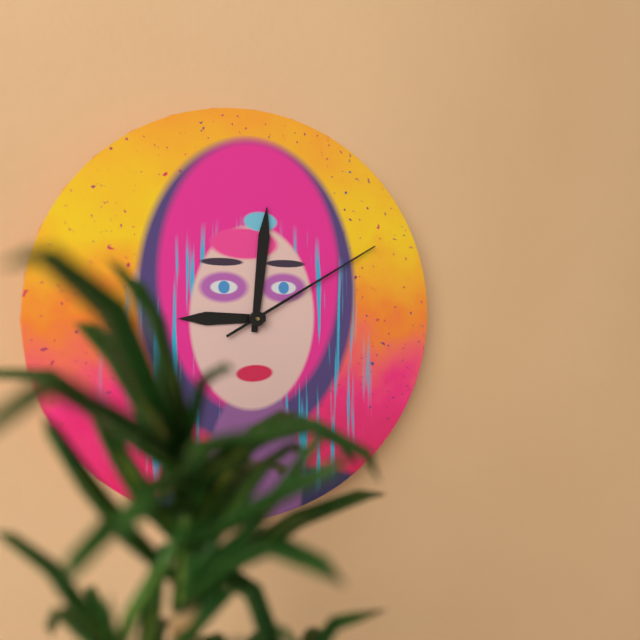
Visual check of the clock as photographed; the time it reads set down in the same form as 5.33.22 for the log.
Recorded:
9.01.10
